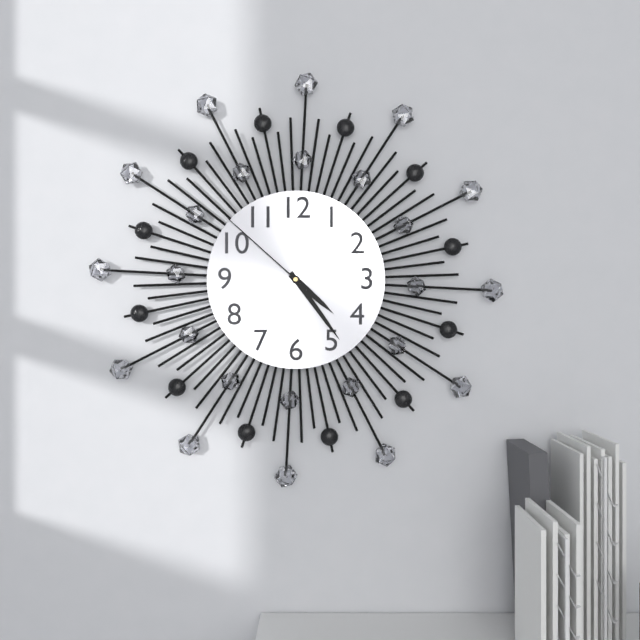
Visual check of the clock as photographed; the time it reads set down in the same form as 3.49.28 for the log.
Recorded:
4.24.52
